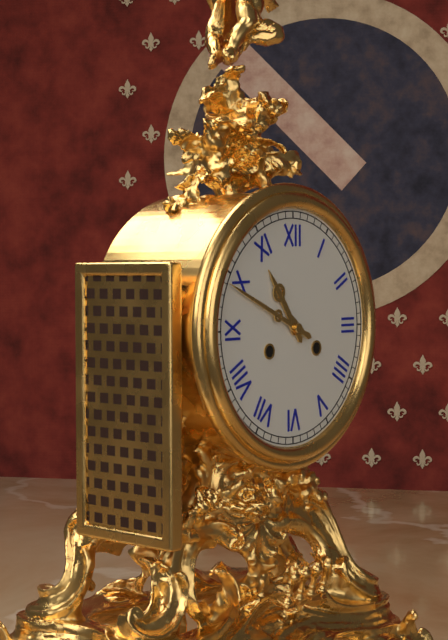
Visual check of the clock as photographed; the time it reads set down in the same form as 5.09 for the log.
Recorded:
10.49
